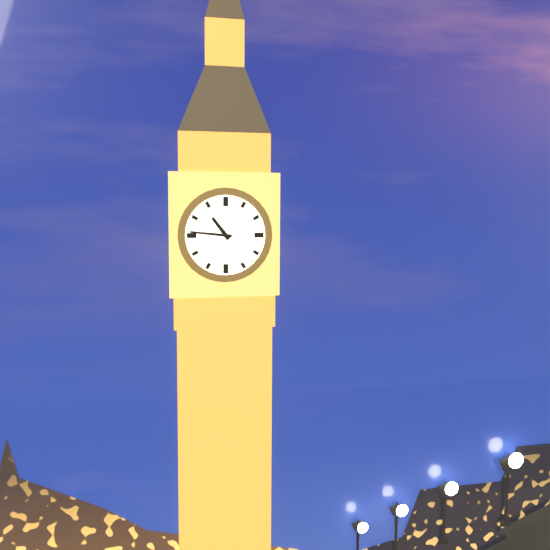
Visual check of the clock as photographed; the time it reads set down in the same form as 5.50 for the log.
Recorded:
10.46
